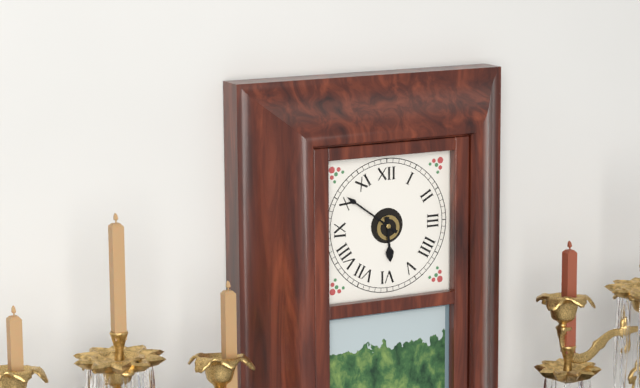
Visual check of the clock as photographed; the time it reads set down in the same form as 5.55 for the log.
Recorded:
5.51
